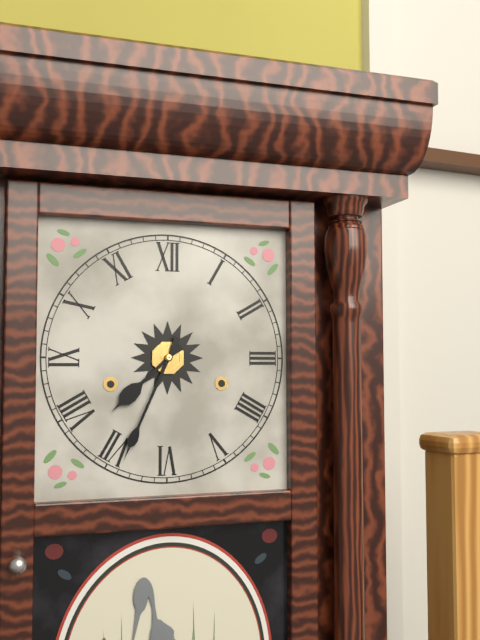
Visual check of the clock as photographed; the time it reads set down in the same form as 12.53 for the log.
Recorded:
7.34
